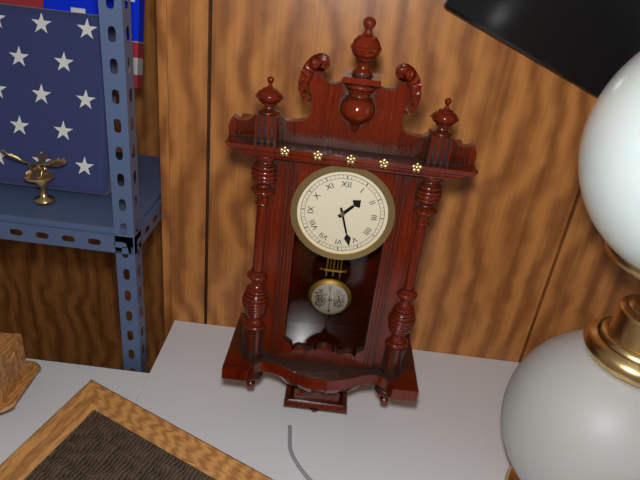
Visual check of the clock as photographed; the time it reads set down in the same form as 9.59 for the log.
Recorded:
1.27
